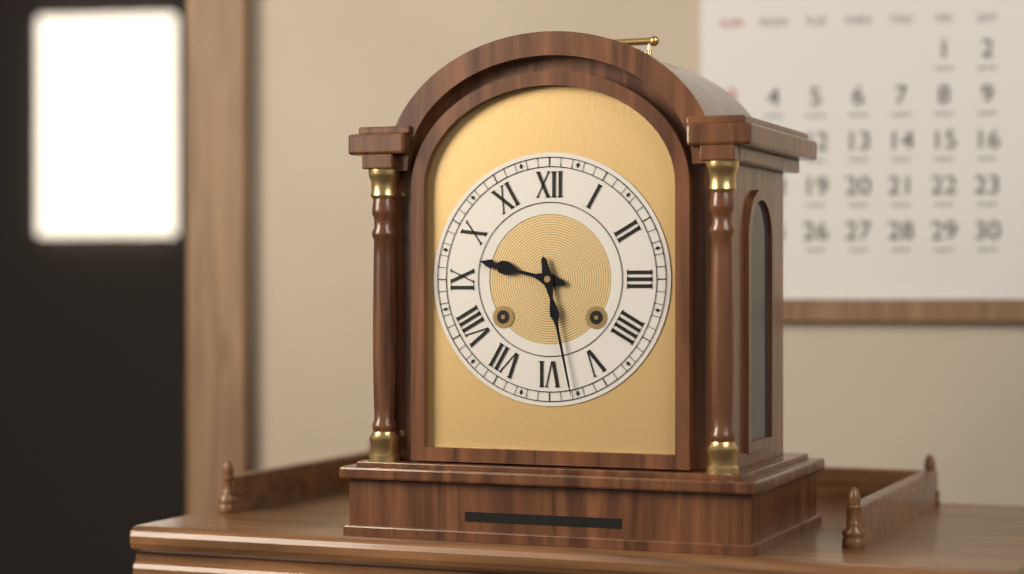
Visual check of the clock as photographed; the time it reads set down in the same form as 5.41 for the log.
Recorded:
9.28
